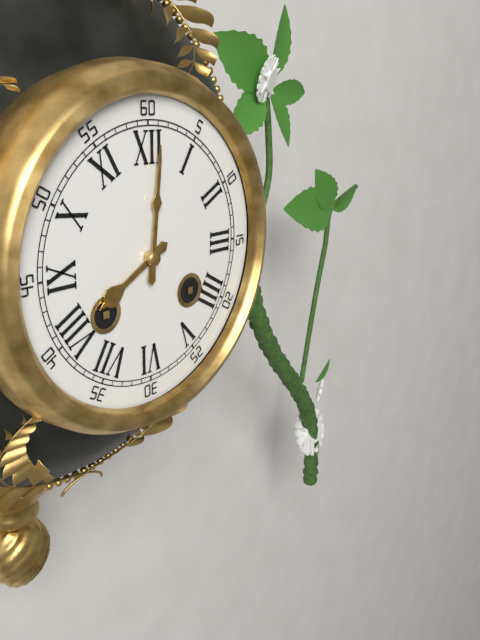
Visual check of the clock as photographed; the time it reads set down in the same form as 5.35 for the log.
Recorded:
8.01
